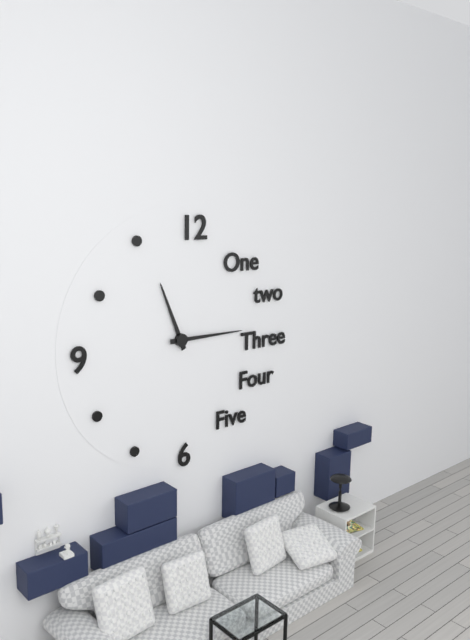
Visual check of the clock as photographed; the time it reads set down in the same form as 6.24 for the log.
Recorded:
11.15
